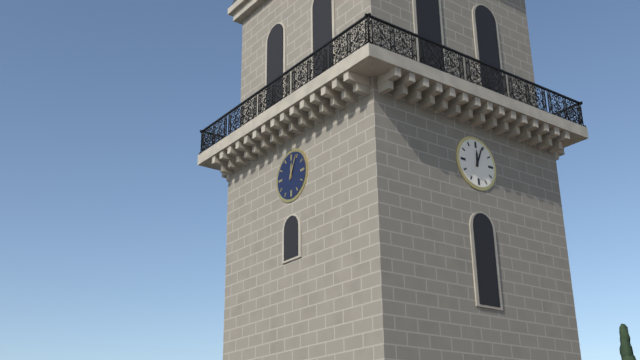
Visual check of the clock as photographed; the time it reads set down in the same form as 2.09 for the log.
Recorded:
12.04
